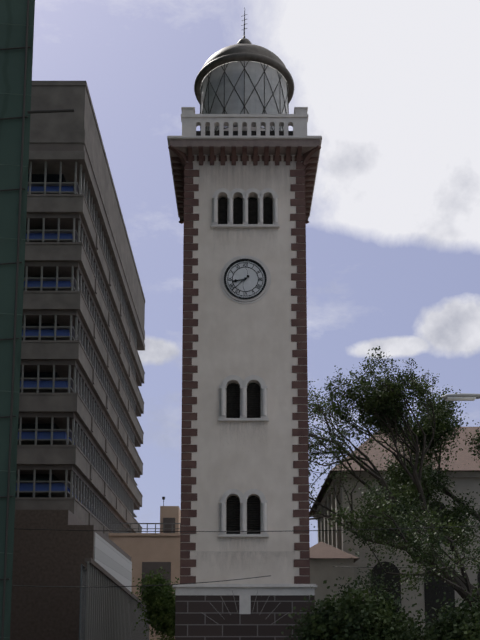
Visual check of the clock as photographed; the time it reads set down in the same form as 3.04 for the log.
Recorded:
8.38
